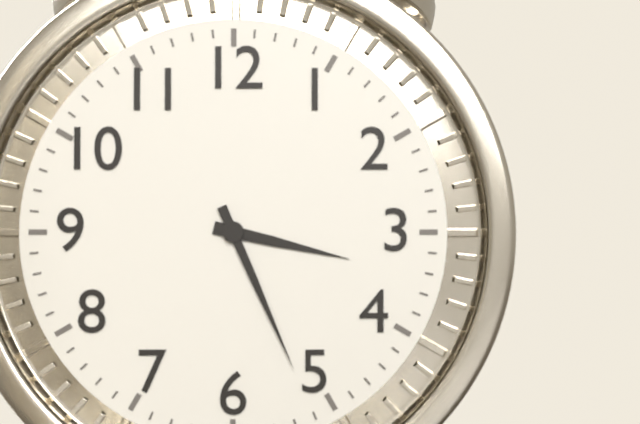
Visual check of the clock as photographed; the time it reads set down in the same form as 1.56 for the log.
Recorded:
3.26
